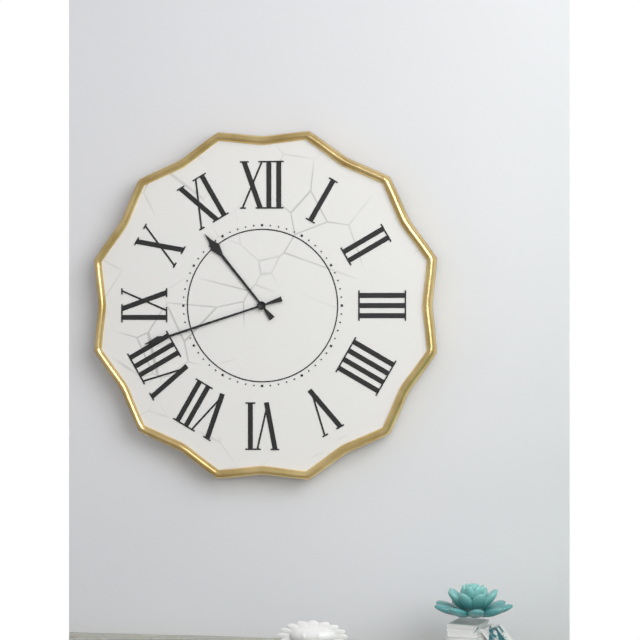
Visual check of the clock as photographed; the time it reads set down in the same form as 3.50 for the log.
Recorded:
10.42
